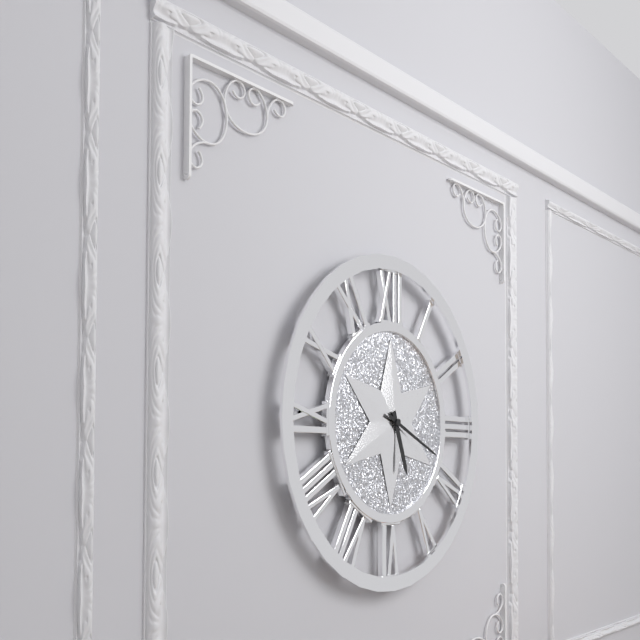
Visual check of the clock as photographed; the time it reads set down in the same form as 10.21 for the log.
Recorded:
5.19
